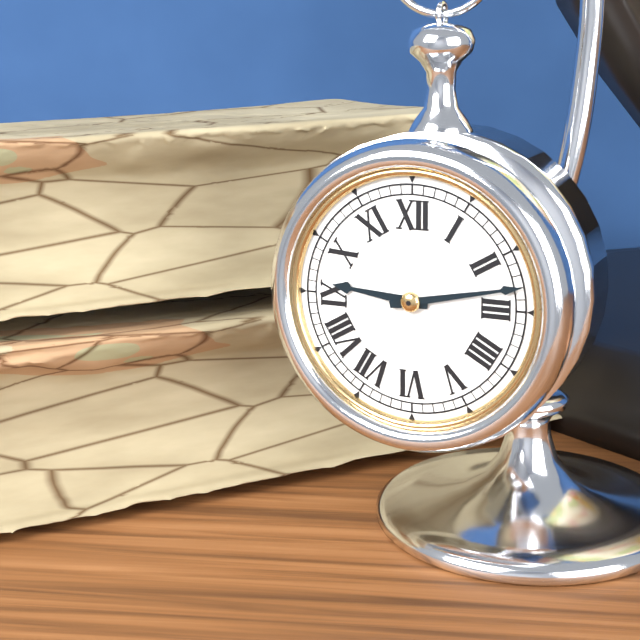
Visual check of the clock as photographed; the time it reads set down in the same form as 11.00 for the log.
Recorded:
9.13
